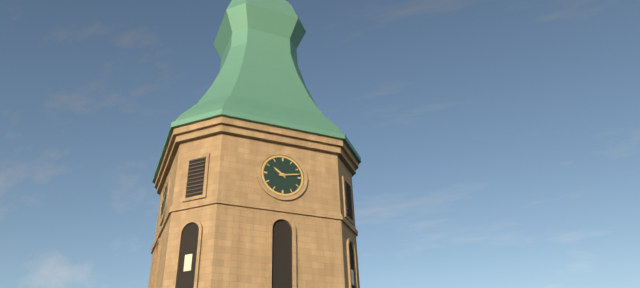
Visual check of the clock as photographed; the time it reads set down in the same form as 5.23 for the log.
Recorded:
10.13
